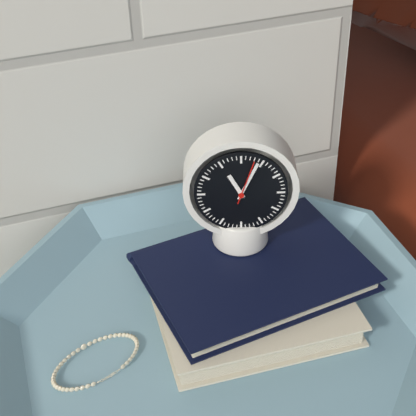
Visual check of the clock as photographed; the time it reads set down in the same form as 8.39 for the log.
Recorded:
11.04
